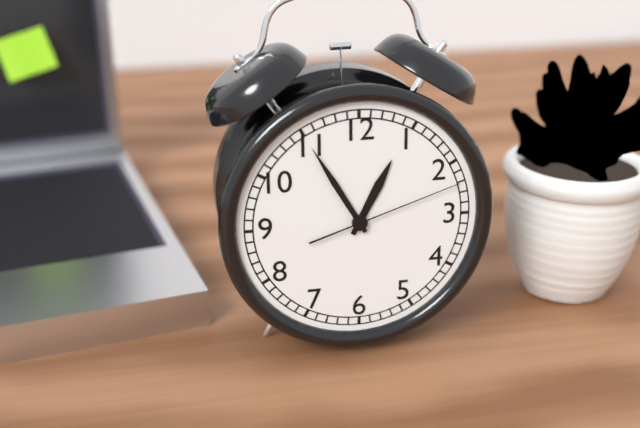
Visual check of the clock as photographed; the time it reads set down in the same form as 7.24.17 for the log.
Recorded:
12.55.12
